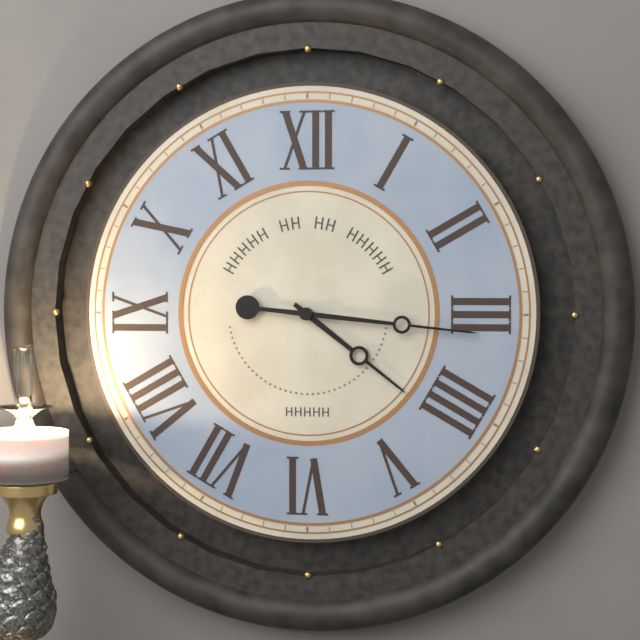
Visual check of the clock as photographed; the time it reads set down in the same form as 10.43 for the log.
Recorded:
4.16
